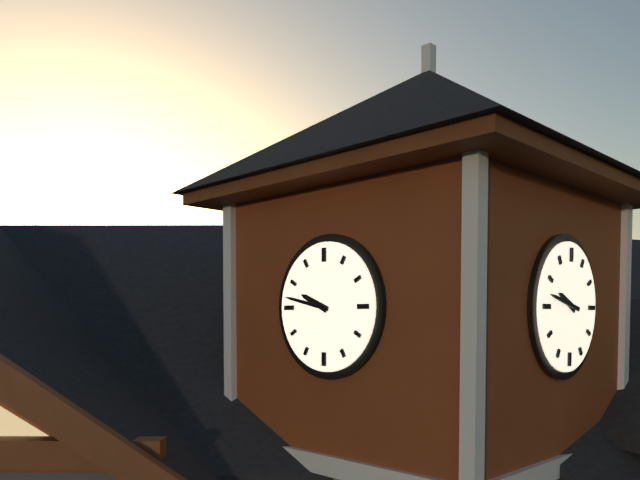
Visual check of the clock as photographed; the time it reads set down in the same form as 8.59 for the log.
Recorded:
9.47
